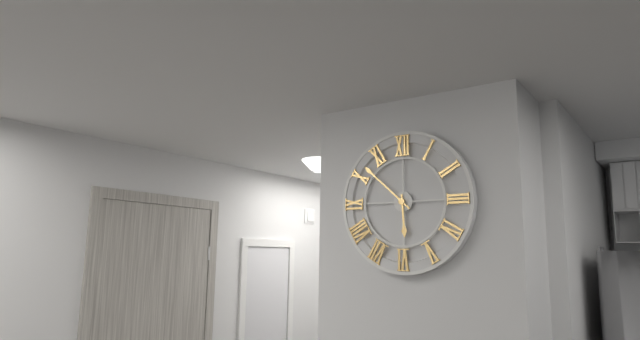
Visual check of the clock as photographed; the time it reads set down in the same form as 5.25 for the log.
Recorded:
5.52
